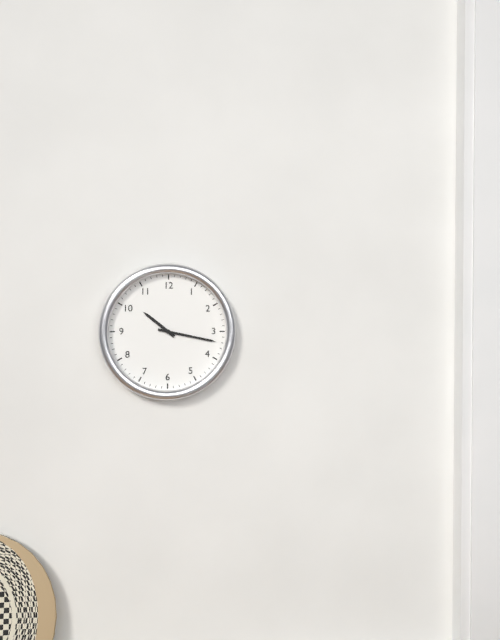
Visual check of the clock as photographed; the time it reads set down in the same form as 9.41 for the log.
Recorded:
10.17
